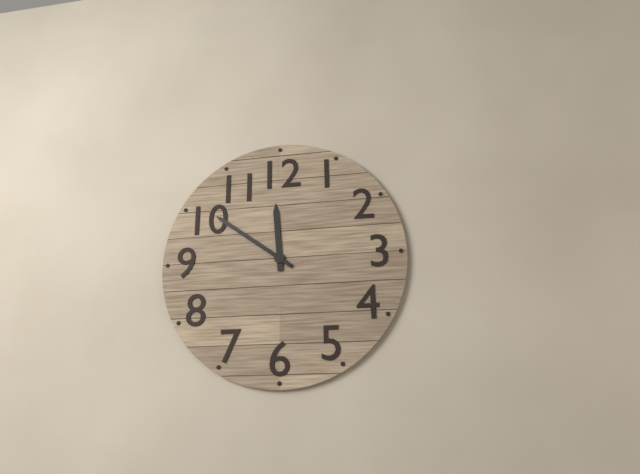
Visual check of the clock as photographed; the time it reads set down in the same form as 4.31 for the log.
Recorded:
11.51
